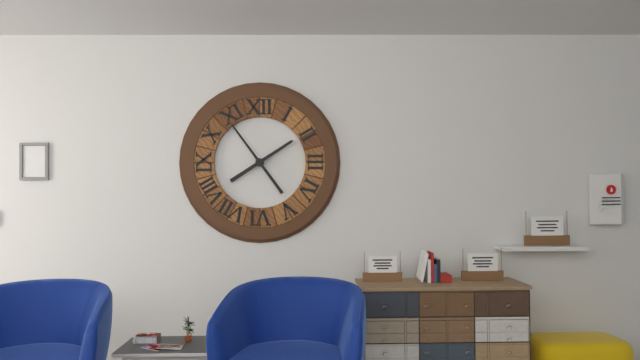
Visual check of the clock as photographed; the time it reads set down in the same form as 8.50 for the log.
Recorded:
1.54
